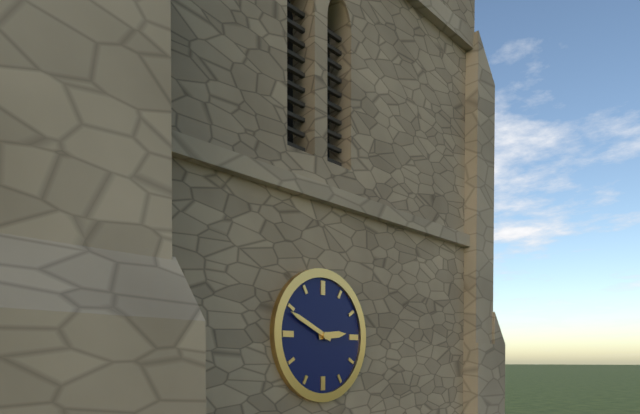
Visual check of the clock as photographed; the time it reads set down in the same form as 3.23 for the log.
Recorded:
2.49
